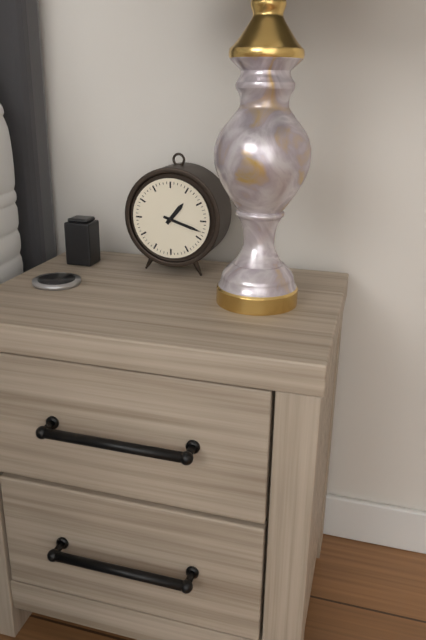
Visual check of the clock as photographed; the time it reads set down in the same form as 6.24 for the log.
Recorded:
1.18
